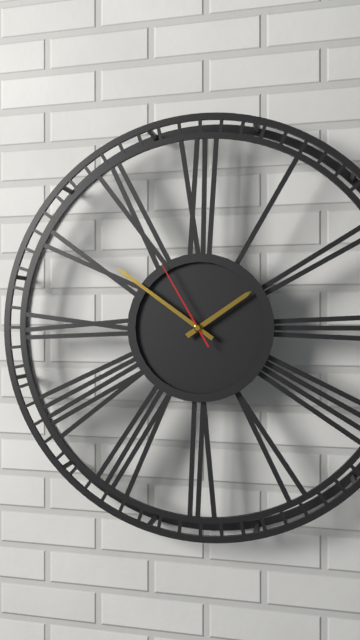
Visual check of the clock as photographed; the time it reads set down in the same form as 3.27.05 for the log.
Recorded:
1.51.55
